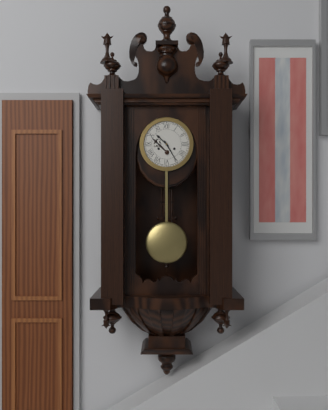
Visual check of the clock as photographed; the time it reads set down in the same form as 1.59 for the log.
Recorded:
10.25
